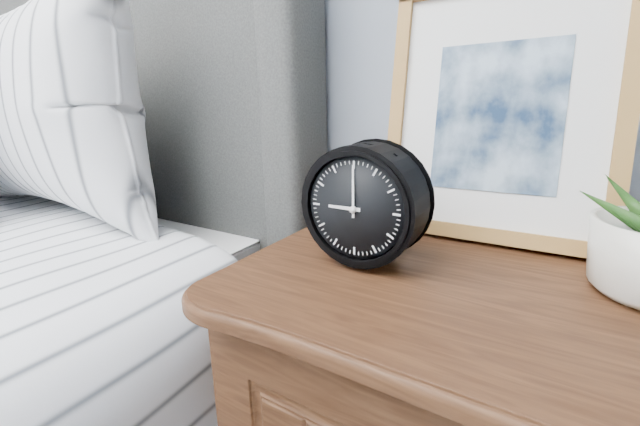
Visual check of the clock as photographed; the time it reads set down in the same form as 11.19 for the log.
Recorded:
9.00
